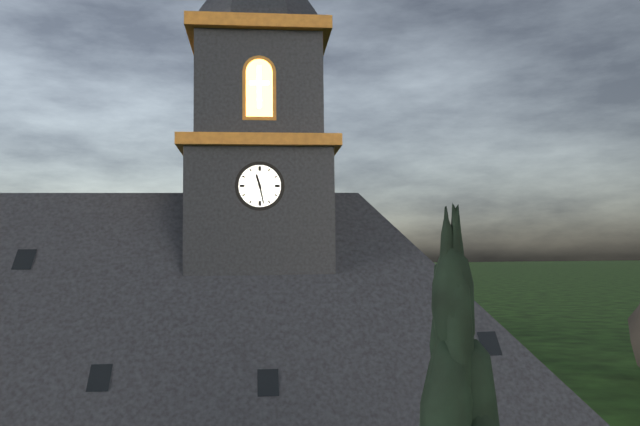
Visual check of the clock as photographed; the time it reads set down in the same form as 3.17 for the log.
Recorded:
11.28
